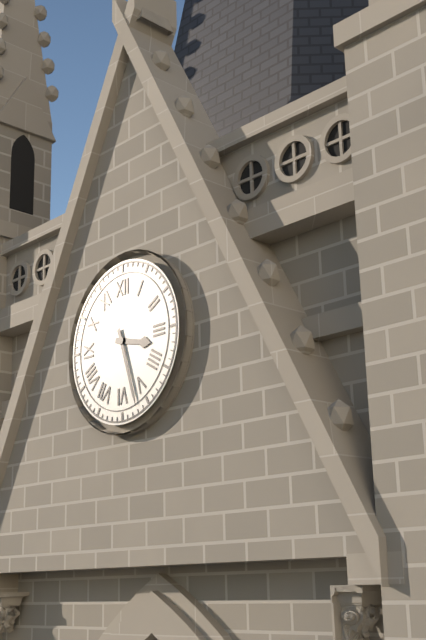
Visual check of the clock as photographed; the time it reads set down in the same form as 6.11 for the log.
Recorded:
3.27
